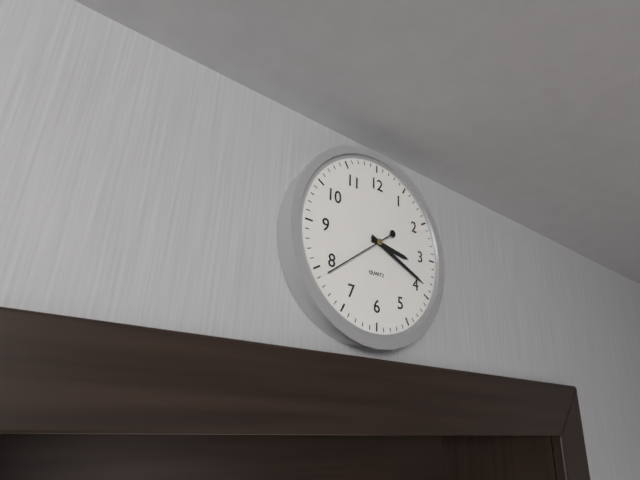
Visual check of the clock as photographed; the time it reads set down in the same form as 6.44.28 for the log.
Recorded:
3.19.39
